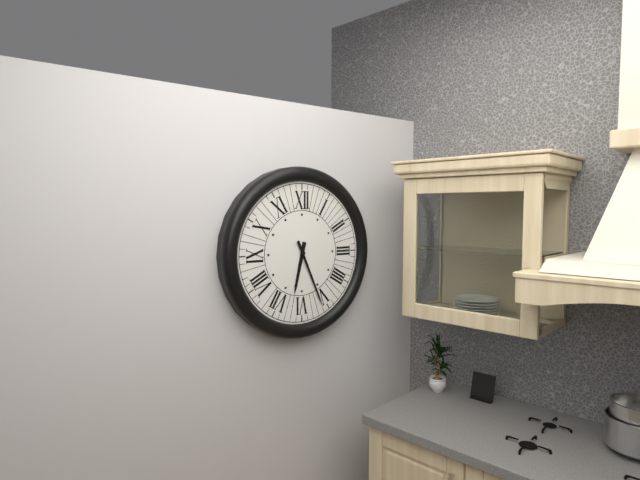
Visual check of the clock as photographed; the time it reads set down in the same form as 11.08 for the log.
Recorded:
6.26
